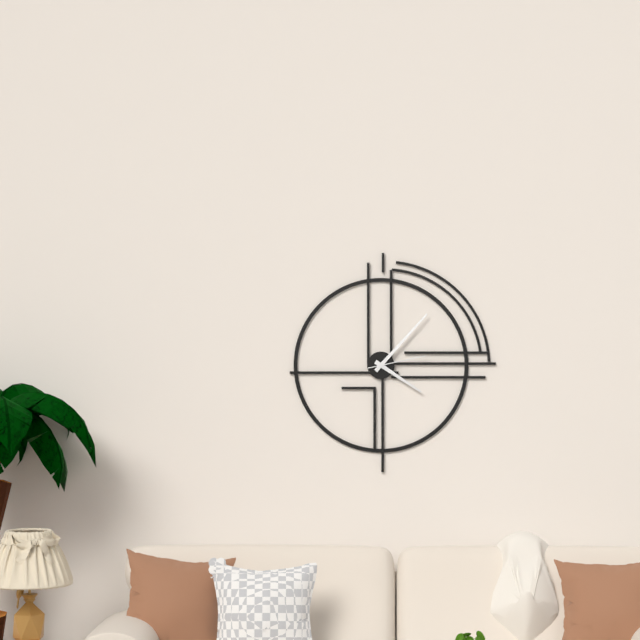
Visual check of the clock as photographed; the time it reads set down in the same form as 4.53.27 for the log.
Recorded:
4.07.13
